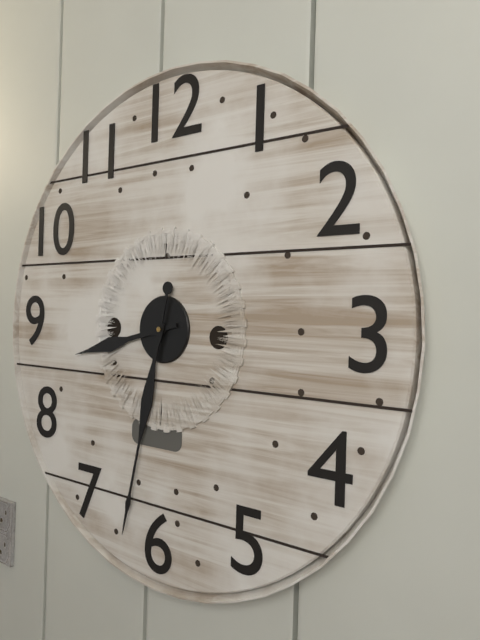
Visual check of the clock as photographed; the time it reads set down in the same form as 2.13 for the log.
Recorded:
8.32
